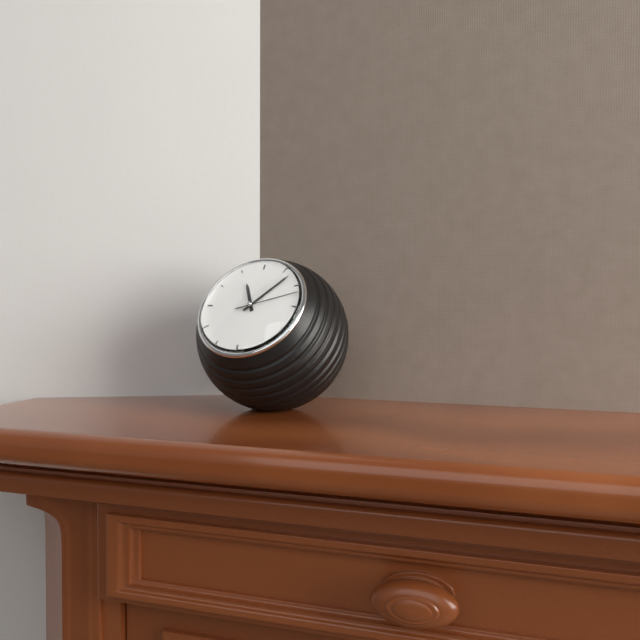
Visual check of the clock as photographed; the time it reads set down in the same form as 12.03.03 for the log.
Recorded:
11.07.12
